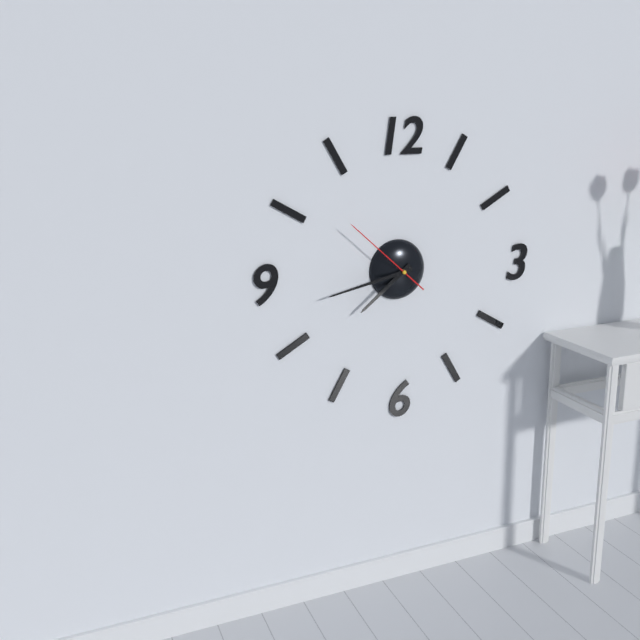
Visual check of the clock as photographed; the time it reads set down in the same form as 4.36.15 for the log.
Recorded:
7.43.52
